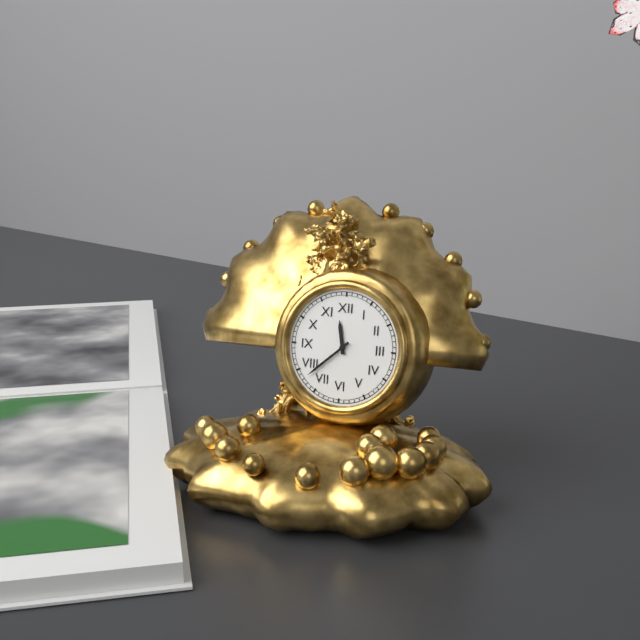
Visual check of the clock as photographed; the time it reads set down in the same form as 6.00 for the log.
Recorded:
11.38
